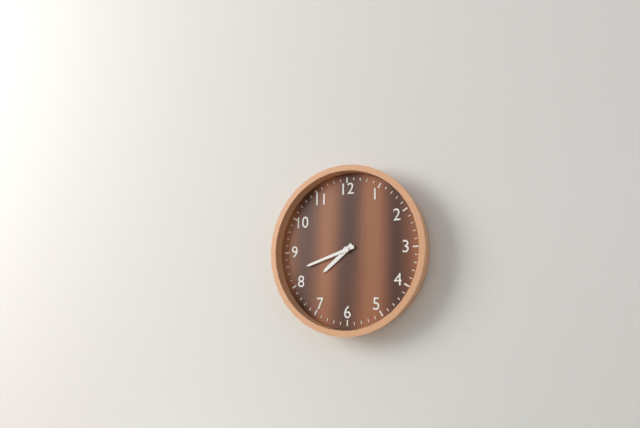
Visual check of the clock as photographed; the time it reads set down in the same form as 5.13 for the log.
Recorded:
7.42
